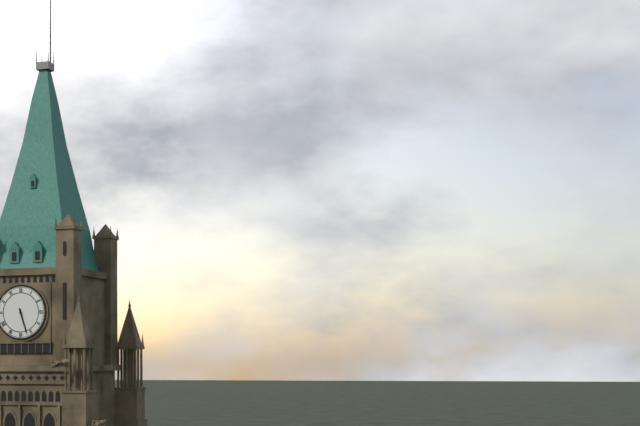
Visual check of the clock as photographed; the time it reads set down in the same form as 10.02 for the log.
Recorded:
5.27
